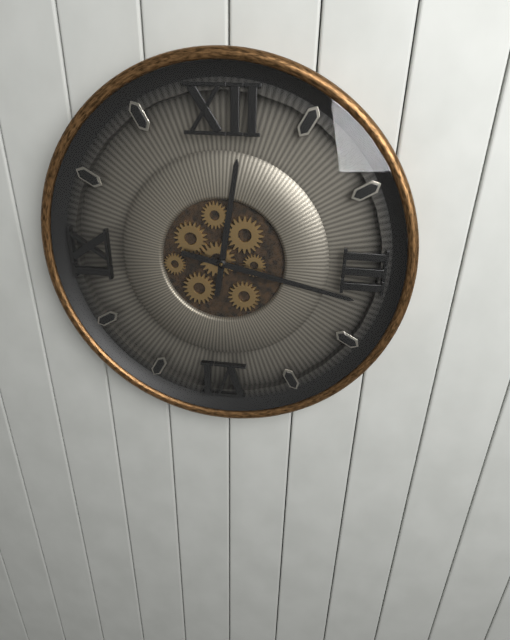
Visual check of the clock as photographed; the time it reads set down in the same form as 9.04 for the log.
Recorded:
12.17
